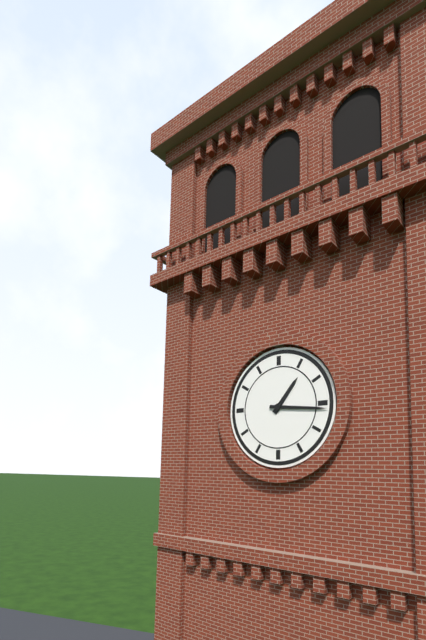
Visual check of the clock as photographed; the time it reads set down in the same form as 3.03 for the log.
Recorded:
1.16
